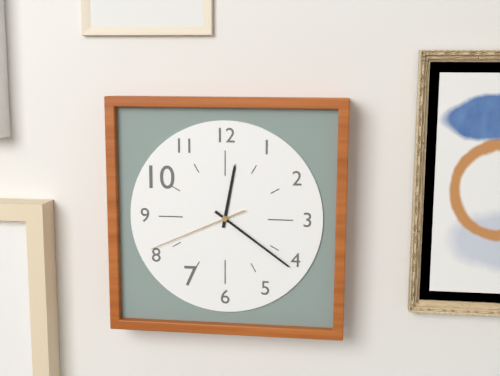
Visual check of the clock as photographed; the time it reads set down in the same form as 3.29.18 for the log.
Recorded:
12.21.41
